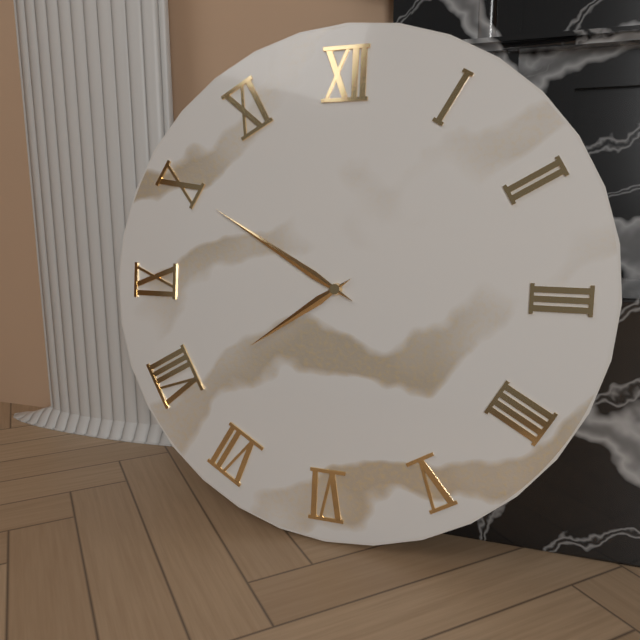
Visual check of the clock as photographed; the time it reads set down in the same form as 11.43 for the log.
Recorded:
7.50
